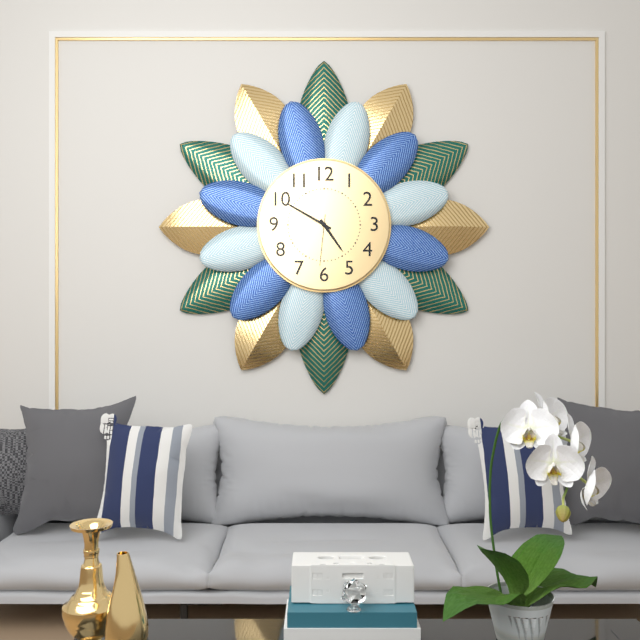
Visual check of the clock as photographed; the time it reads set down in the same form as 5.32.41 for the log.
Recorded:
4.50.31
